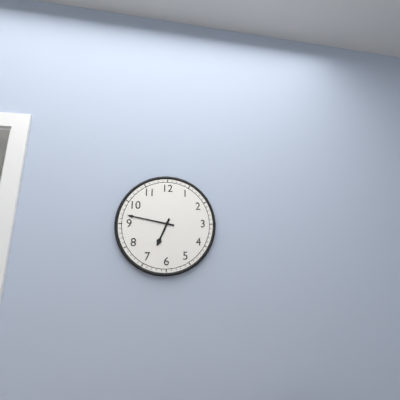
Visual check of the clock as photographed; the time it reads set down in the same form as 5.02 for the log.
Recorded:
6.47
